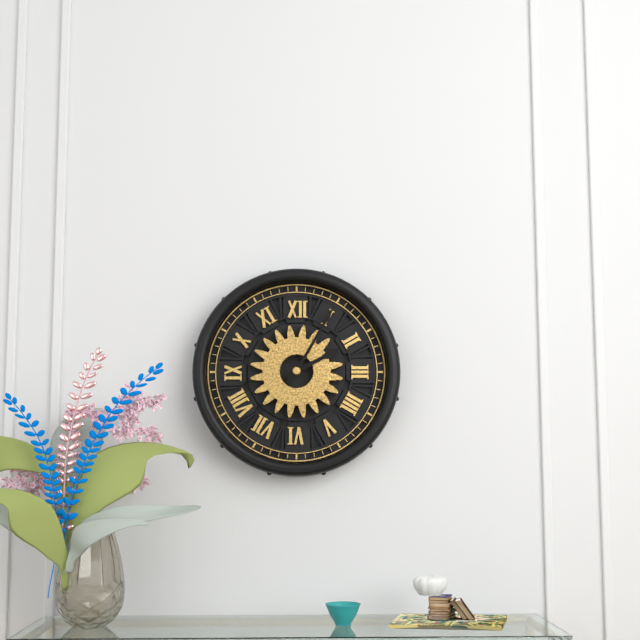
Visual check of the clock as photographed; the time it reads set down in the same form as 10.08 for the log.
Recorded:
2.05
